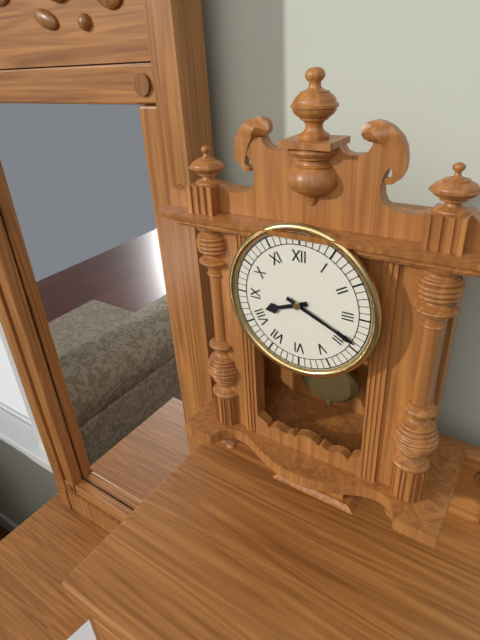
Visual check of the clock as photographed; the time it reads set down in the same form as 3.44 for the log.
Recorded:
8.19
